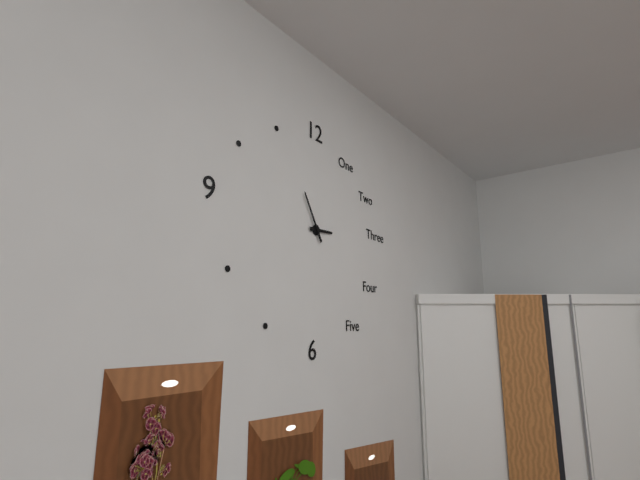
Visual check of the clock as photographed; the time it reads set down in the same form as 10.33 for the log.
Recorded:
2.55
